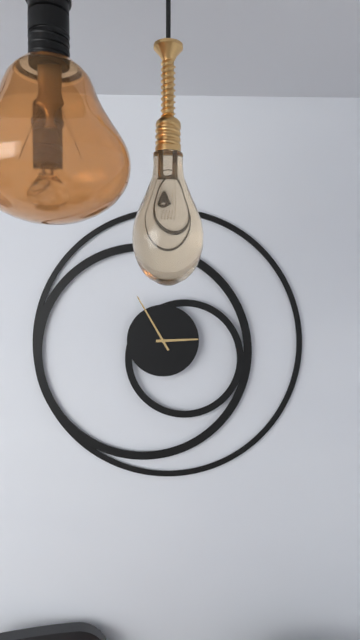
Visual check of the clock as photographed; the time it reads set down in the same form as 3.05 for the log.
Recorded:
2.55
